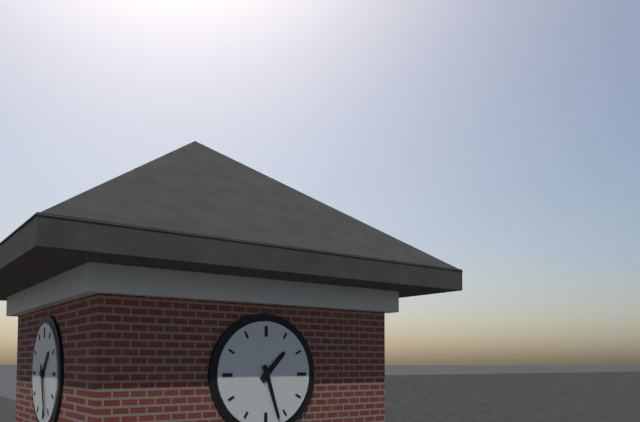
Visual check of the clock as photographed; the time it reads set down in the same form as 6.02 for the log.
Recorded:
1.27
